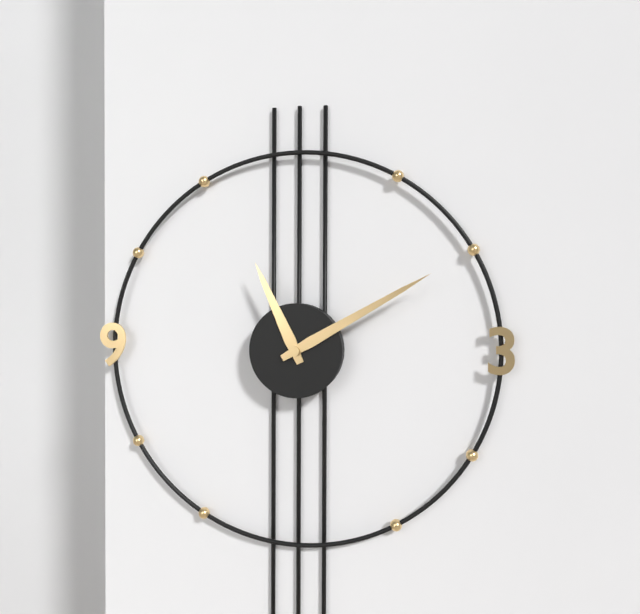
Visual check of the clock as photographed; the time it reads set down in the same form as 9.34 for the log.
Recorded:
11.10
